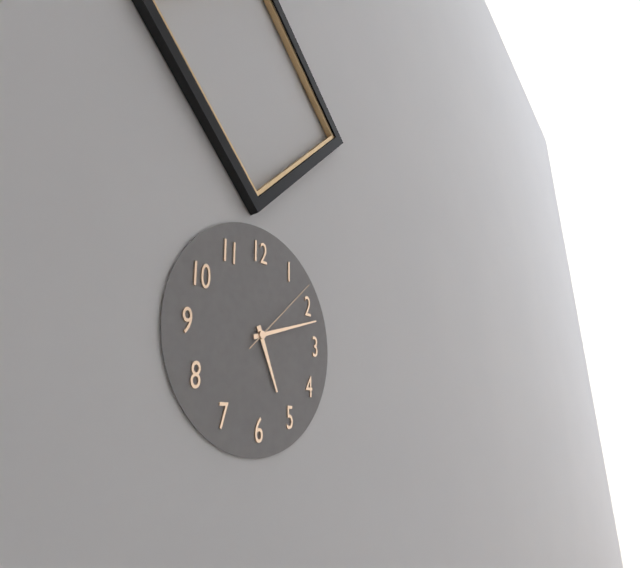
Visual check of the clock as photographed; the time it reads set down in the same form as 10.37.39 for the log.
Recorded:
5.12.08
